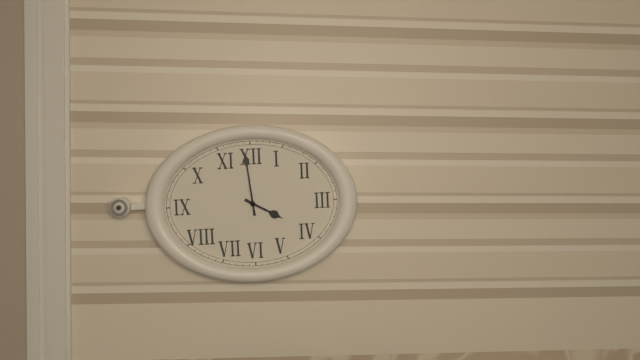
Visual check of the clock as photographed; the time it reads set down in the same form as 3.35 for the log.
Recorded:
3.59
